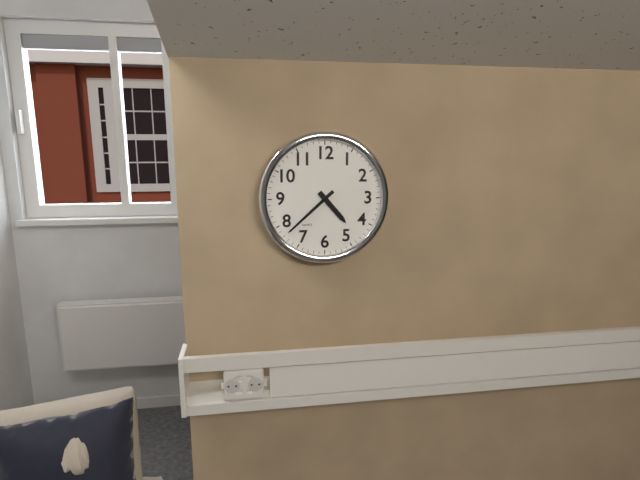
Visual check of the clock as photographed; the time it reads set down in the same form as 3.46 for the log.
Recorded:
4.38
